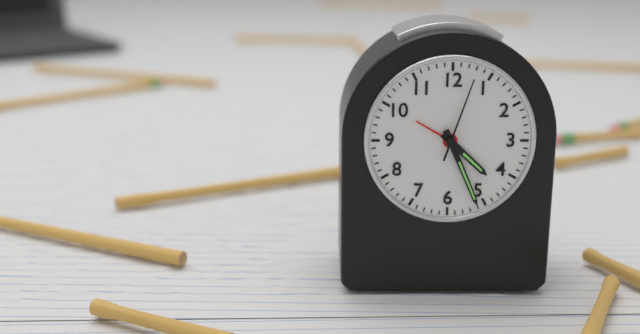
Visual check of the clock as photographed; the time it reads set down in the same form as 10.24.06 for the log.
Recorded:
4.26.03
